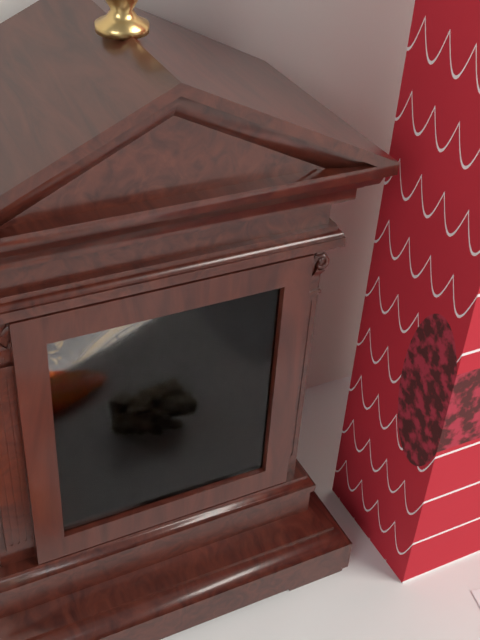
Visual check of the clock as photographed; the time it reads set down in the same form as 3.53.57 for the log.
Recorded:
1.28.37
